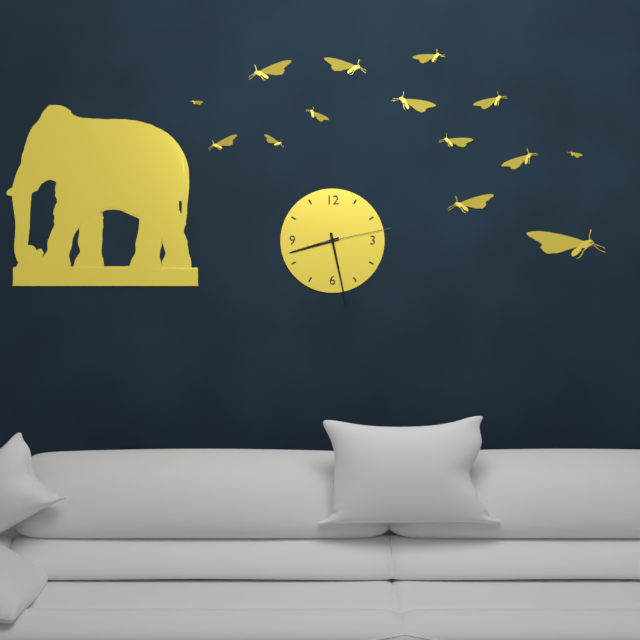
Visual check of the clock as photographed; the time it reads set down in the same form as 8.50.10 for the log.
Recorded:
8.28.13
